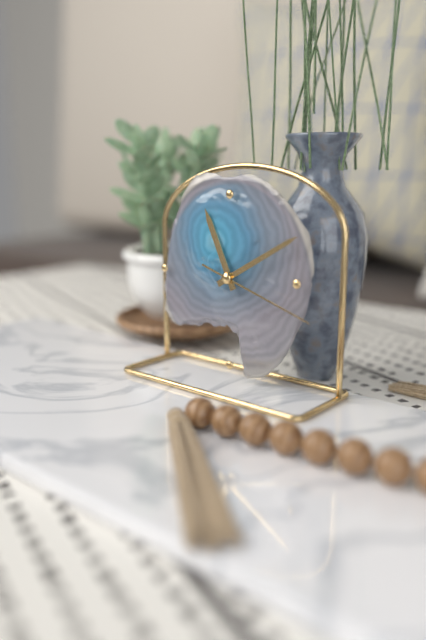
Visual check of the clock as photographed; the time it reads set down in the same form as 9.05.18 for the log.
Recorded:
11.10.18
